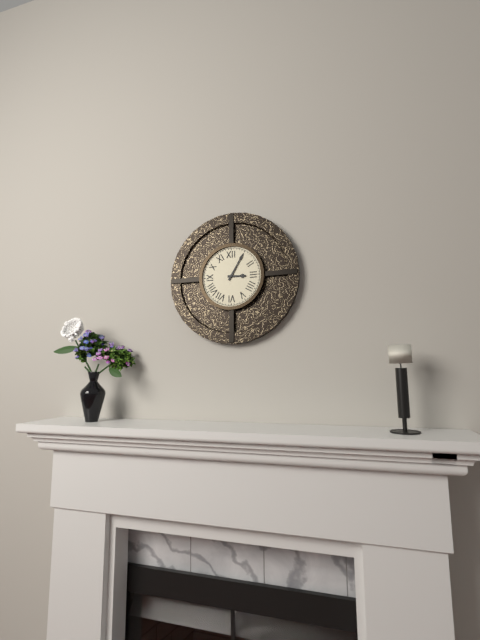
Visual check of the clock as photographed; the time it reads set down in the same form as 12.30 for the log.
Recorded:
3.05
